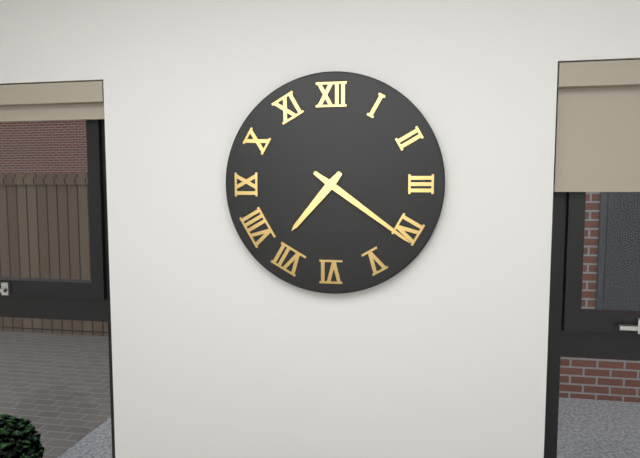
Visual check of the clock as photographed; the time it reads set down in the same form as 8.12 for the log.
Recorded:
7.21
